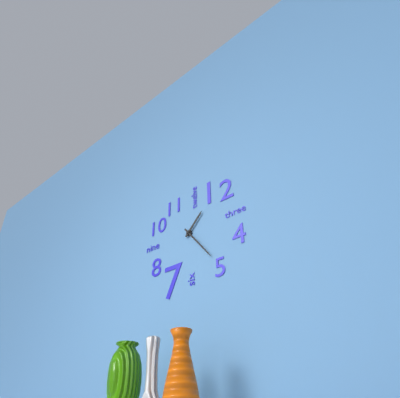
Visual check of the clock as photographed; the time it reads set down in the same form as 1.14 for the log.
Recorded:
1.24
